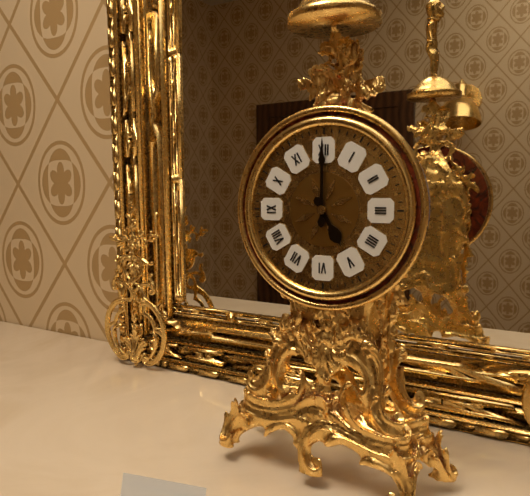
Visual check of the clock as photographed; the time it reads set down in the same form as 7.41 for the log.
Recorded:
5.00
